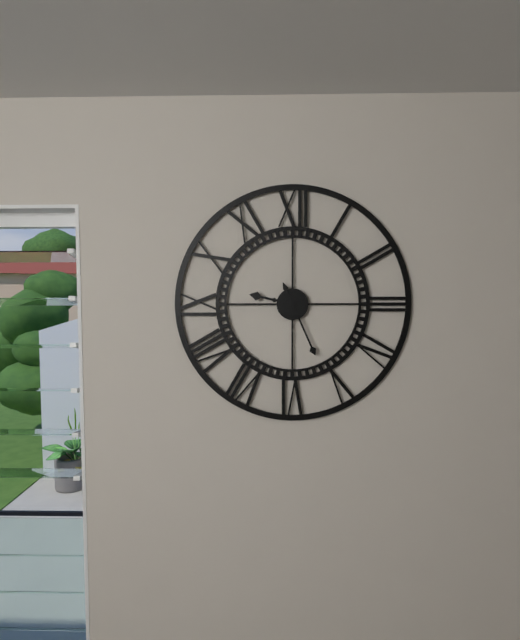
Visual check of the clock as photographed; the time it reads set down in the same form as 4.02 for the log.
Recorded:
9.26
